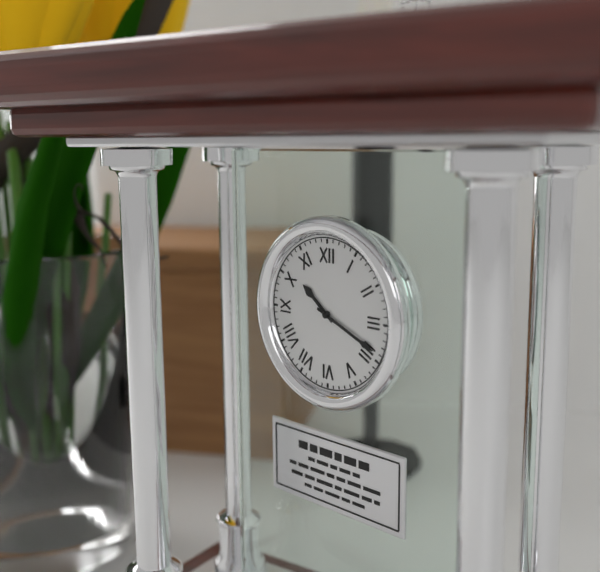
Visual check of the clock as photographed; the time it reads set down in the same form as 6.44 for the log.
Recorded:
10.19
